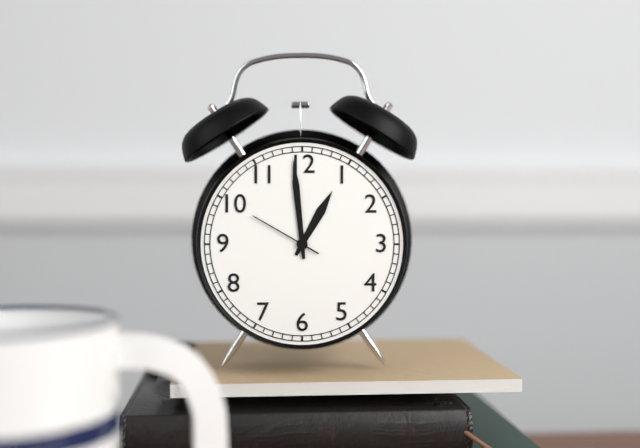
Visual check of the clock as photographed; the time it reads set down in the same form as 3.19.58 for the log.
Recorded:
12.59.50
